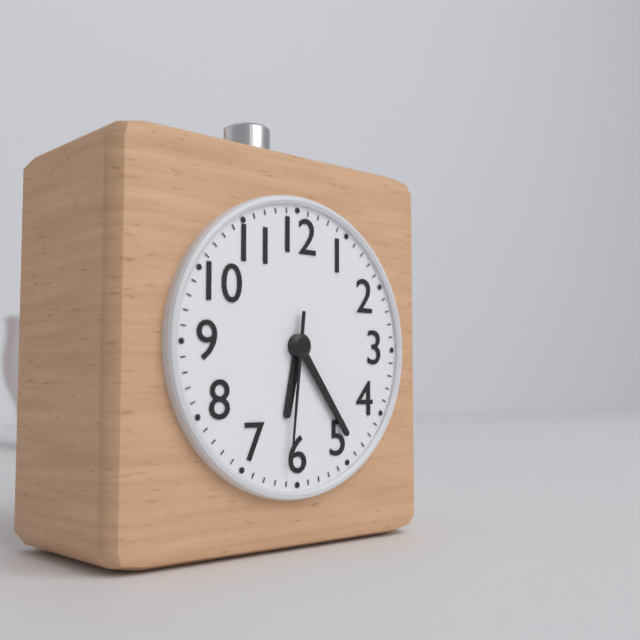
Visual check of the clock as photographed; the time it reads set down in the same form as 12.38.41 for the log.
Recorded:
6.24.31
